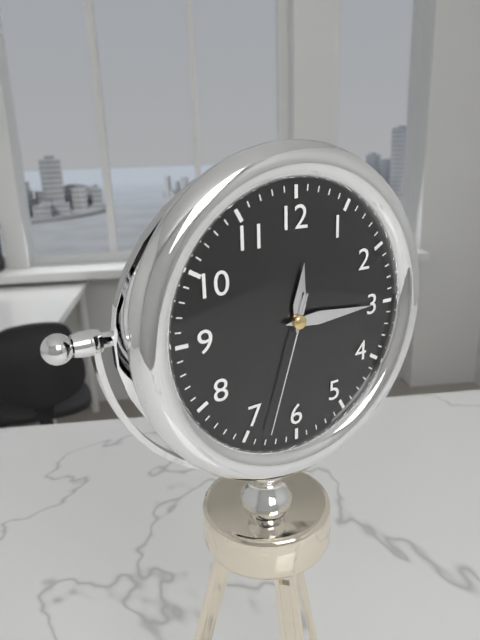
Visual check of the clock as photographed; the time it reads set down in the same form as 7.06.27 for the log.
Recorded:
12.15.33
